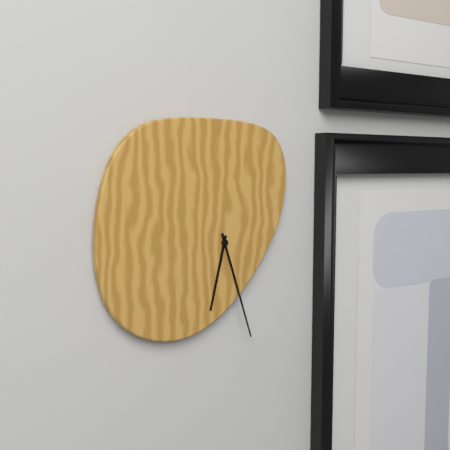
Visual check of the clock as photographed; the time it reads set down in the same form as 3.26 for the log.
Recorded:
6.27
